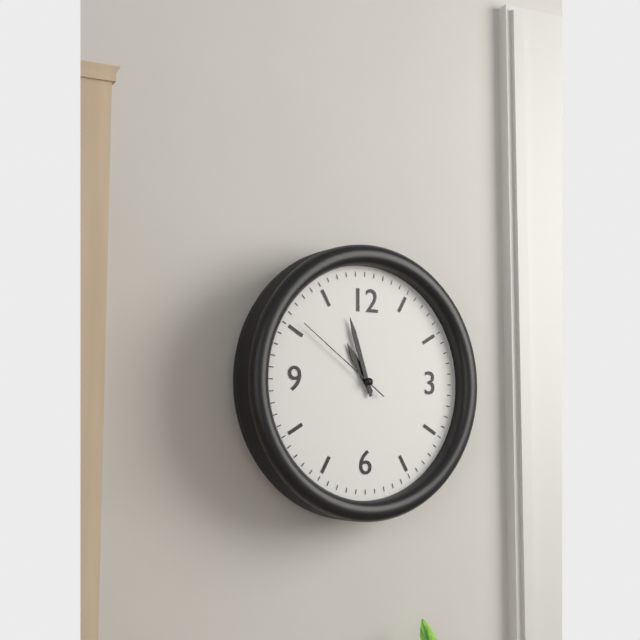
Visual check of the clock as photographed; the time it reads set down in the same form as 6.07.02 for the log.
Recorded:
10.57.51
